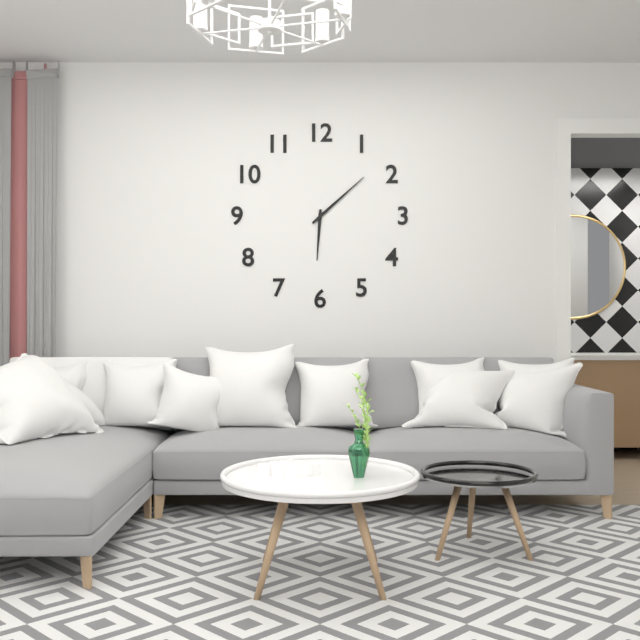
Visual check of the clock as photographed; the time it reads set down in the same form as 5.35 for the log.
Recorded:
6.08
